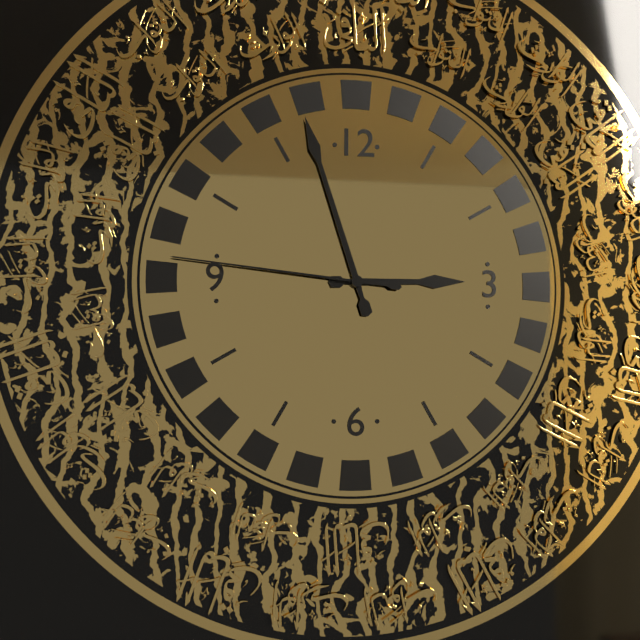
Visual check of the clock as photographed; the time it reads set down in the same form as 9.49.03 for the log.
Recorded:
2.57.46
